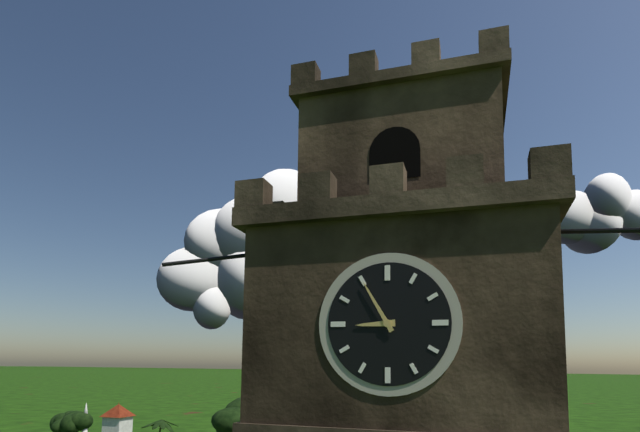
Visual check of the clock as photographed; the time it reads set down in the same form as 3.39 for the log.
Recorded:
8.55
